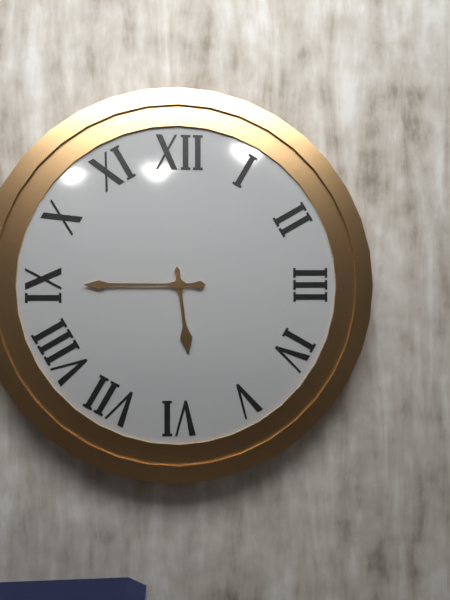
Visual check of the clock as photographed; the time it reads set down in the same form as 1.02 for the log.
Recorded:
5.45
